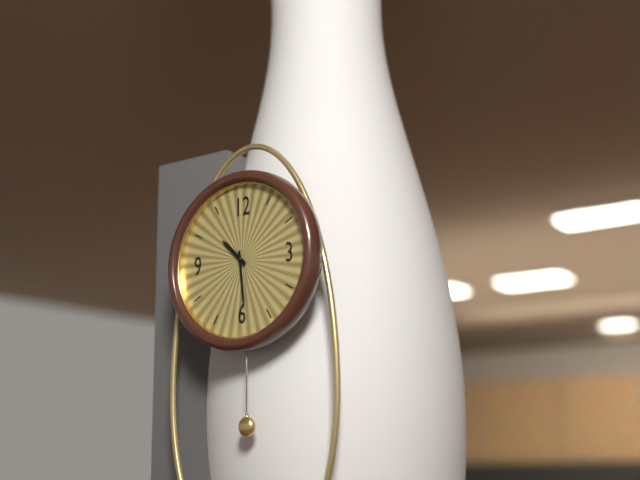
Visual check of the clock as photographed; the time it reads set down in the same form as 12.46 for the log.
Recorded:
10.29
